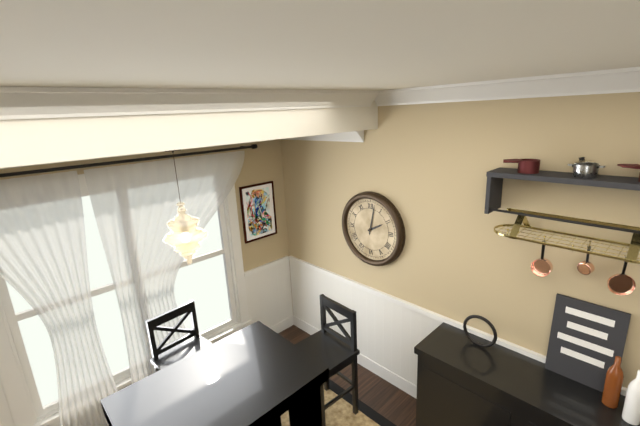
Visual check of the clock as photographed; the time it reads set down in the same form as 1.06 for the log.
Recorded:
2.02
